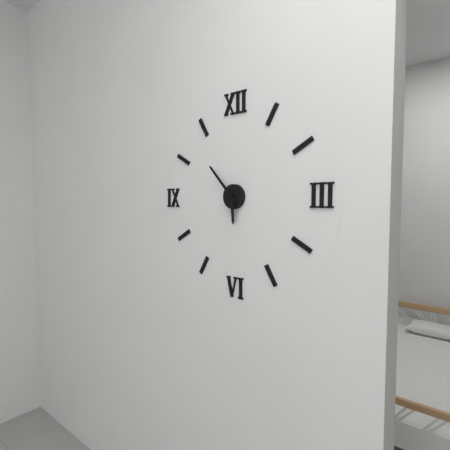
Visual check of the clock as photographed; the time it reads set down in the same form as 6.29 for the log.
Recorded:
5.53
